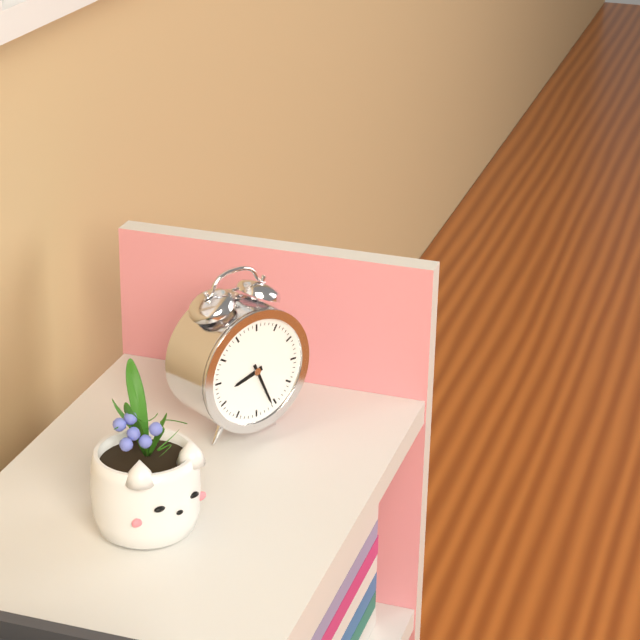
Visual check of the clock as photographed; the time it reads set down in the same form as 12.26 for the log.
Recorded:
8.26
